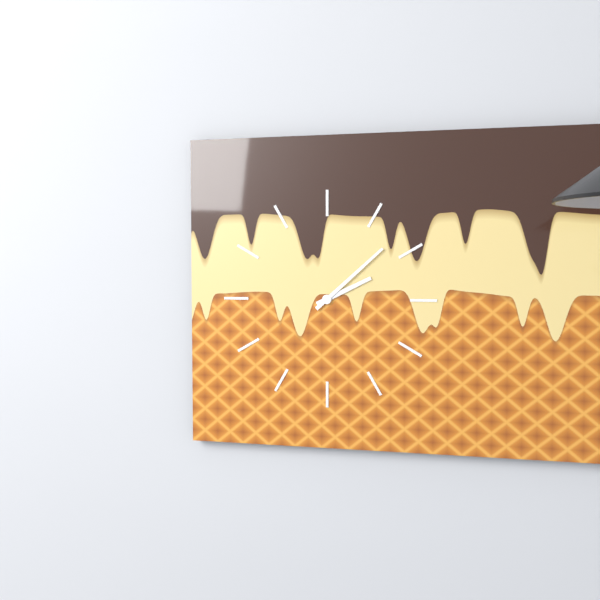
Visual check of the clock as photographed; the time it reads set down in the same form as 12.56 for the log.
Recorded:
2.08
